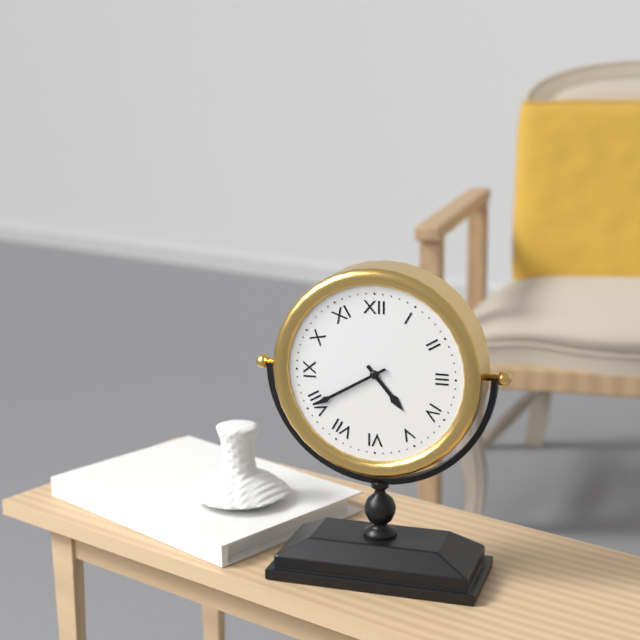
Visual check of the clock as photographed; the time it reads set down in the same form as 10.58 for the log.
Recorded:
4.40
